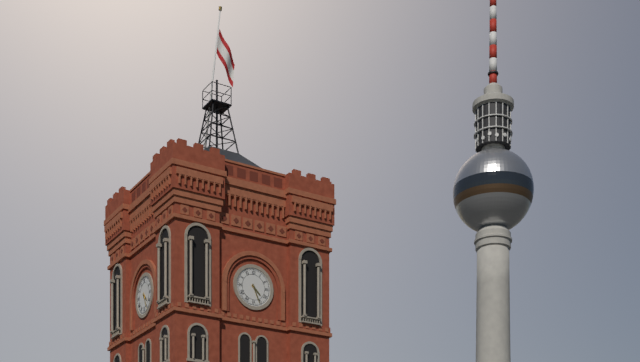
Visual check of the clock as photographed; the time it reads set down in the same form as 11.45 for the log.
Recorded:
4.26
